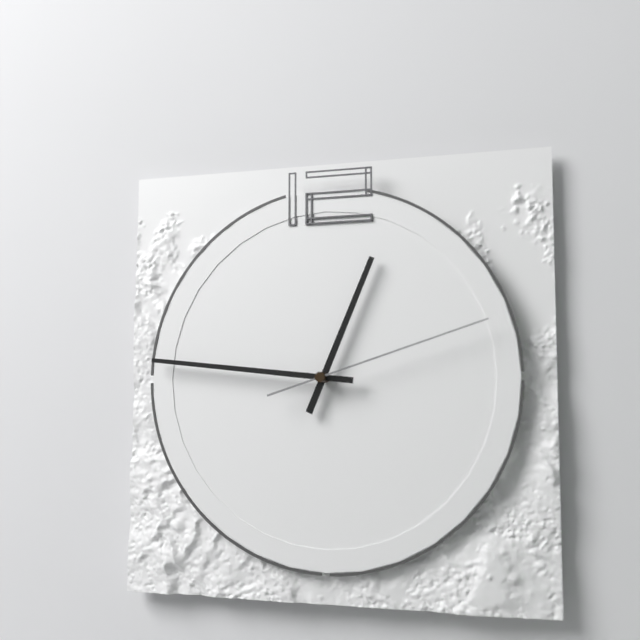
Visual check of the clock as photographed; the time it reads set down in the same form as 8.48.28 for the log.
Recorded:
12.46.12
